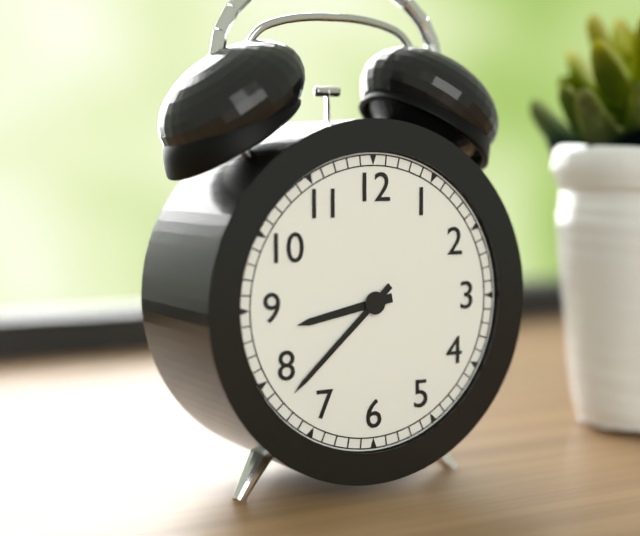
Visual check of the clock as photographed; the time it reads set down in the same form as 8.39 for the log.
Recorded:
8.38
